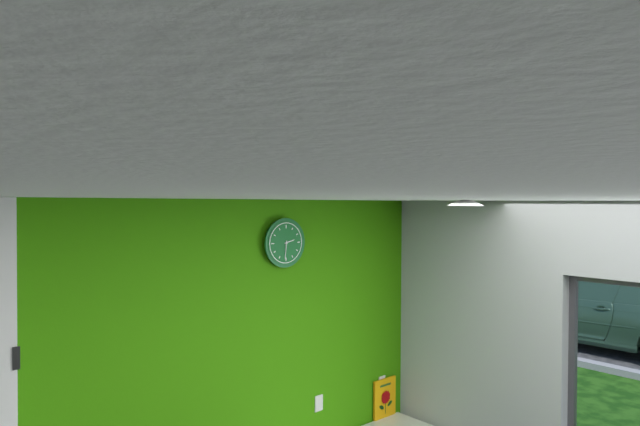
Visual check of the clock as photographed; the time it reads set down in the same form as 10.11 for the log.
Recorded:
2.31
